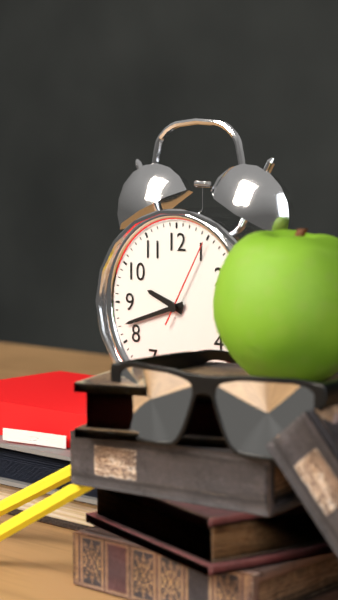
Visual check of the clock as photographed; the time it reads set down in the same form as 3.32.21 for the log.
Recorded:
9.42.05
